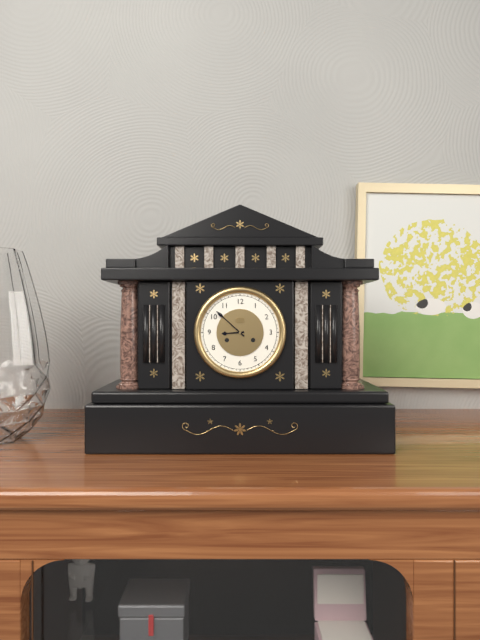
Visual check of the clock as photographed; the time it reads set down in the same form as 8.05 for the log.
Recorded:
8.52
